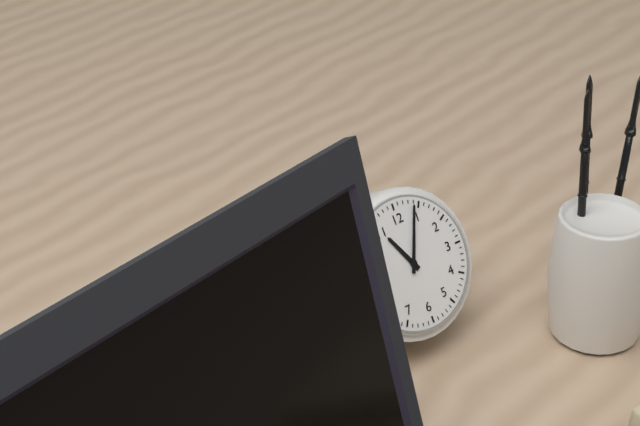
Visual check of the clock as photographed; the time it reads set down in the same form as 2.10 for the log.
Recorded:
11.04
